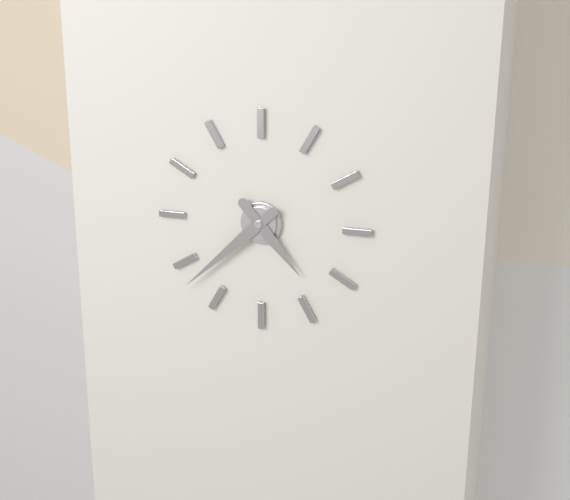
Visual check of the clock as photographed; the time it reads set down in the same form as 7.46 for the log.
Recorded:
4.38
